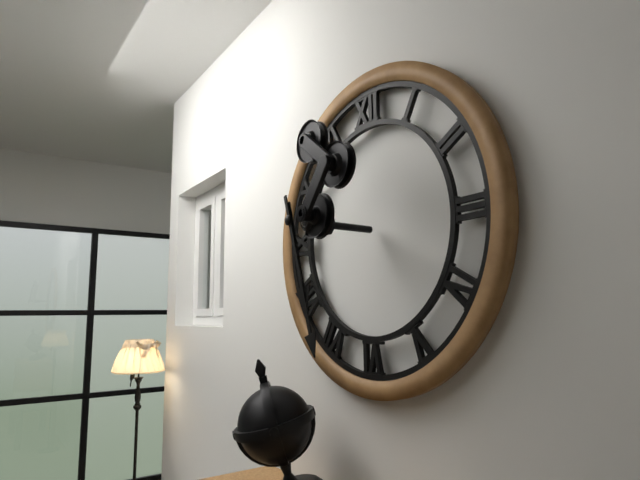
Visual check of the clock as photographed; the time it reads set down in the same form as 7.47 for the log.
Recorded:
5.27
